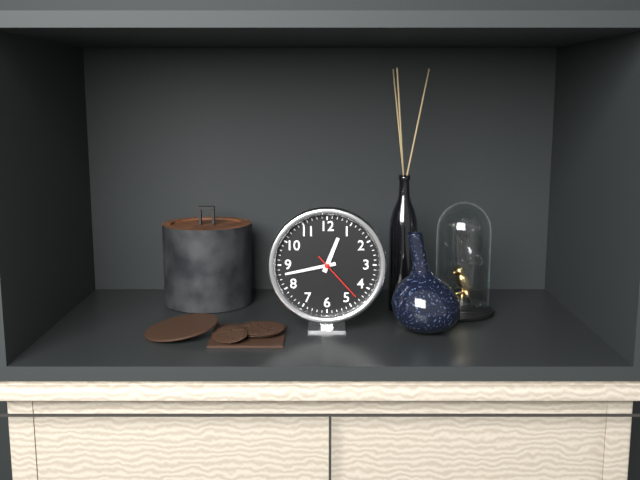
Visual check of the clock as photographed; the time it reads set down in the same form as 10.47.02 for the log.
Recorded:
12.43.23
